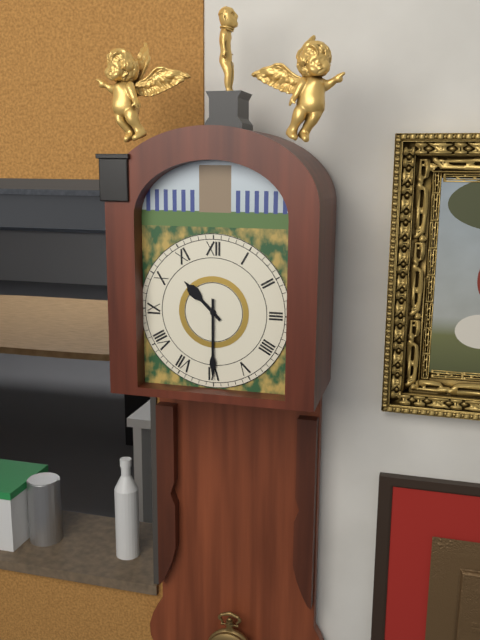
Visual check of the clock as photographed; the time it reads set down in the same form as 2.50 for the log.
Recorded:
10.30
